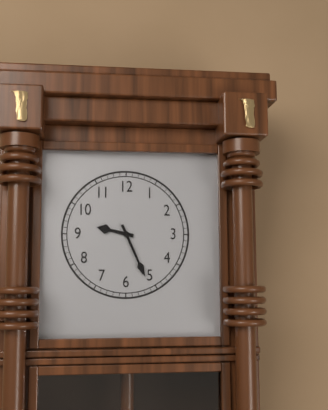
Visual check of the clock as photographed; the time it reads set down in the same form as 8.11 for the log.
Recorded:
9.26
